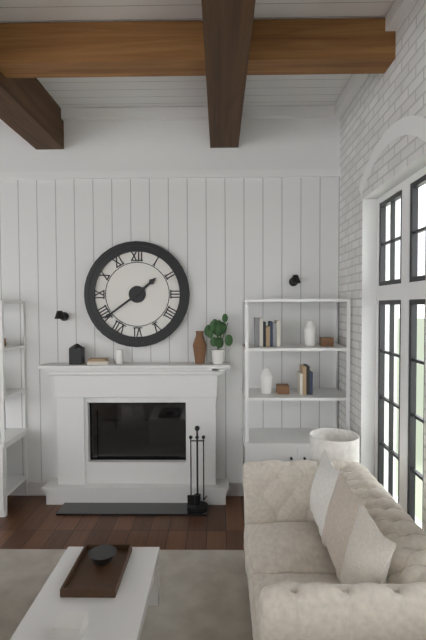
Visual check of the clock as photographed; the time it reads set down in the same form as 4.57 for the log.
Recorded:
1.39
